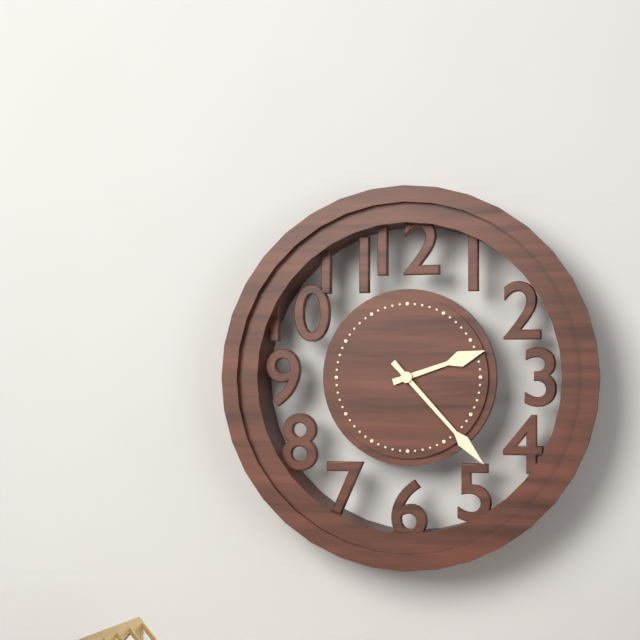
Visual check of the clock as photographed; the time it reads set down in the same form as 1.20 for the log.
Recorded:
2.23
